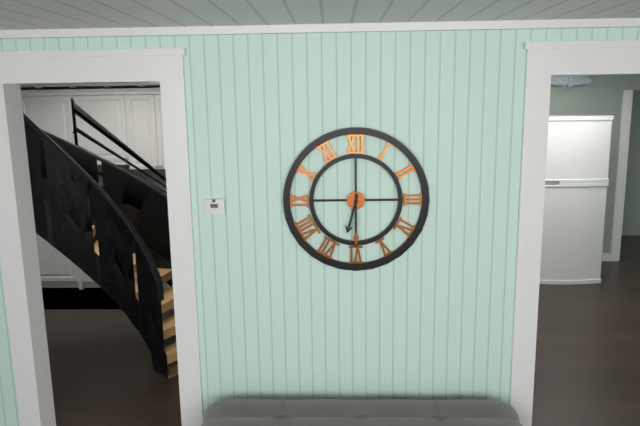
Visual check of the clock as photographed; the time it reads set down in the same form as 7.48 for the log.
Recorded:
6.30
